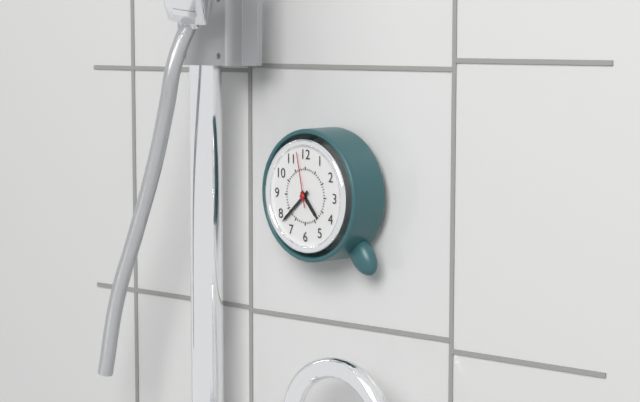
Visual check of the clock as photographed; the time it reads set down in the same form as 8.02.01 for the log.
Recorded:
4.38.58
